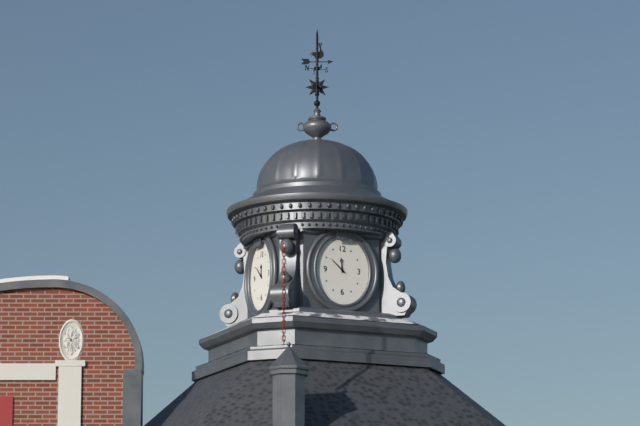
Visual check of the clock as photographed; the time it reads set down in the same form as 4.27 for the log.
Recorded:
11.52
